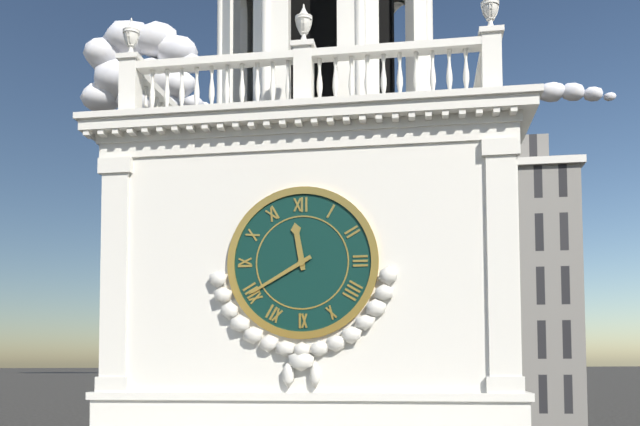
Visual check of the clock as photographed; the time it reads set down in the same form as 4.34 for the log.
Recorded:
11.40
